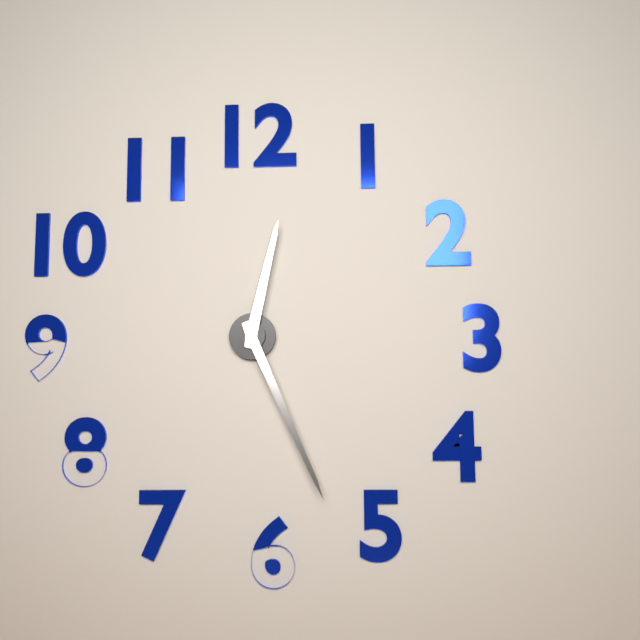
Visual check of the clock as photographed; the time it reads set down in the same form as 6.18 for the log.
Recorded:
12.26
